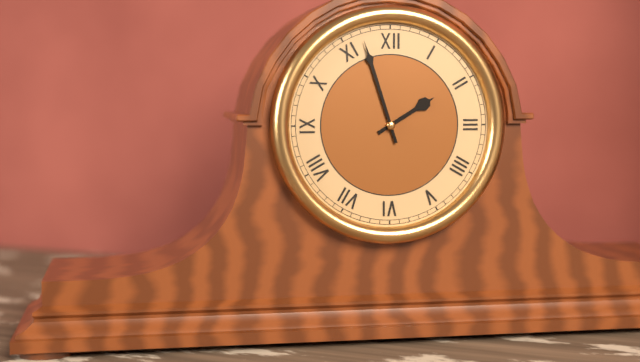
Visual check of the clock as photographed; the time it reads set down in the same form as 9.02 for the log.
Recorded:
1.57
